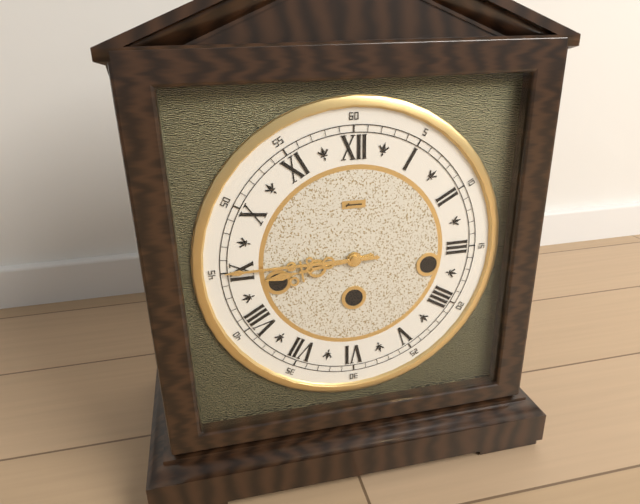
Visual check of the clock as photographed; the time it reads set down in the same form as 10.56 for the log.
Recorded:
8.45
